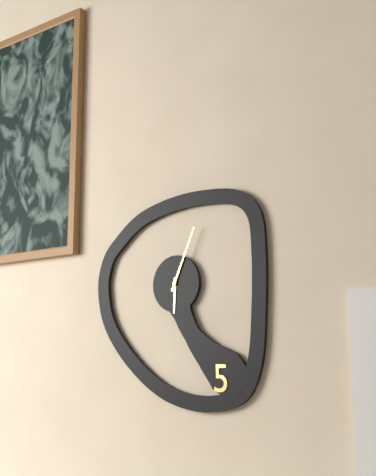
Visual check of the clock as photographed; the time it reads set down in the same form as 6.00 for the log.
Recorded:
6.04
